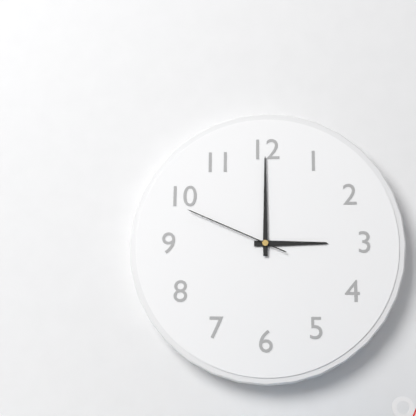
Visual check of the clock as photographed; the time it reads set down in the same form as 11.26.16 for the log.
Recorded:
3.00.49
